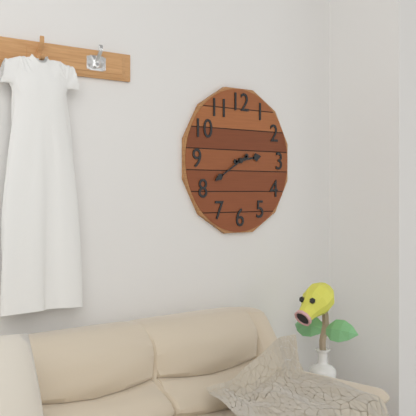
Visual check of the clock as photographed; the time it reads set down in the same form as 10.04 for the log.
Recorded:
2.40
